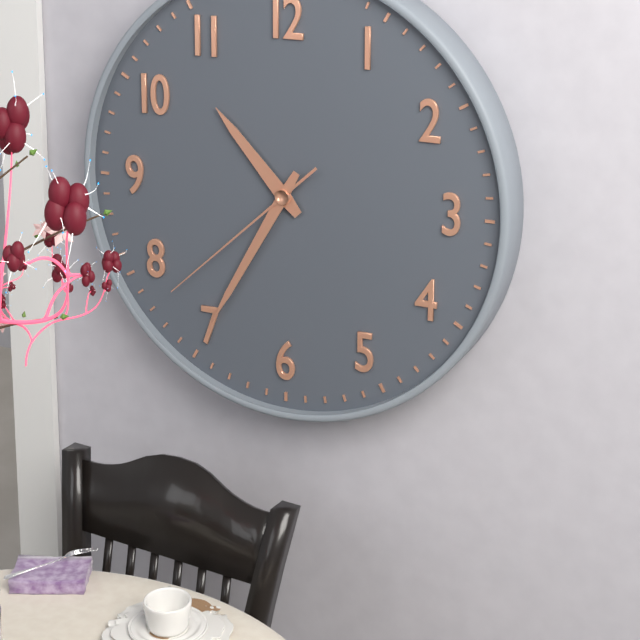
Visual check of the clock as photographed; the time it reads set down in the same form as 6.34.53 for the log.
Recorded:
10.35.38
